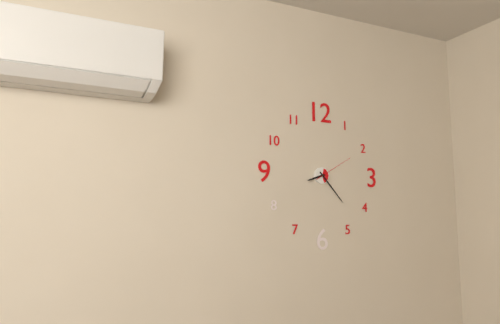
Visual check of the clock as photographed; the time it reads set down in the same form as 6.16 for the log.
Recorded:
8.23
